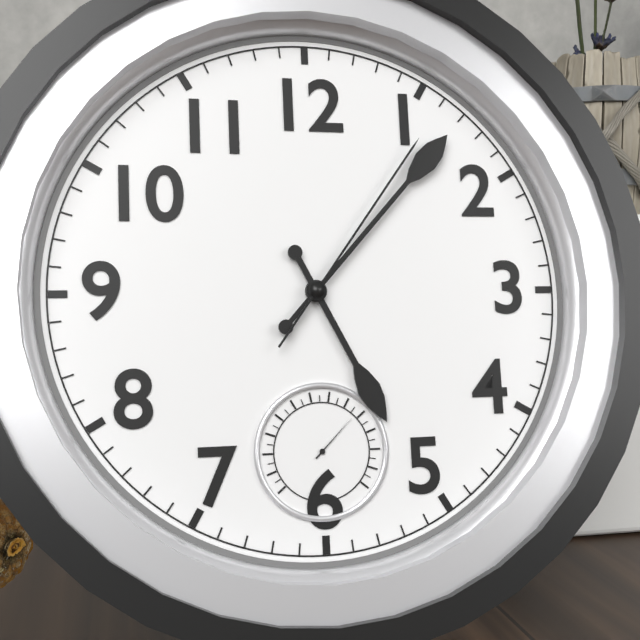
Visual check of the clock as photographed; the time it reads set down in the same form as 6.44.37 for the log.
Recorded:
5.07.06
